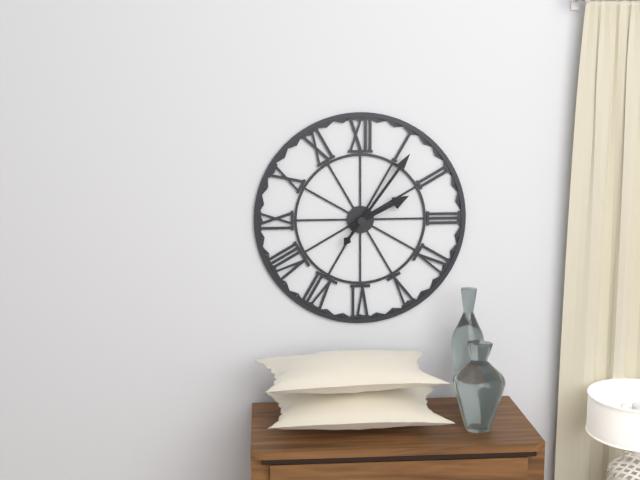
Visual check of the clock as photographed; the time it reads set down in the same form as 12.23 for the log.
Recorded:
2.06
